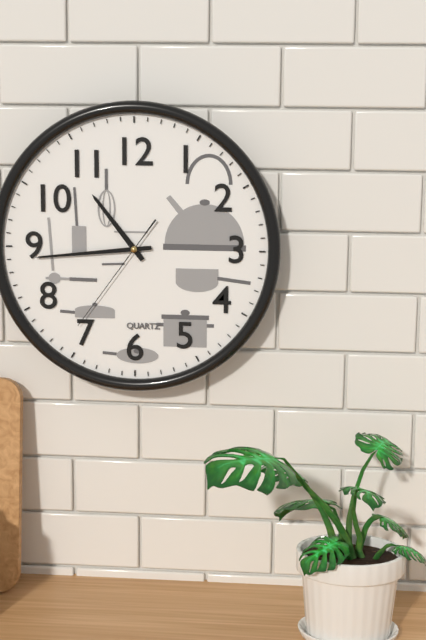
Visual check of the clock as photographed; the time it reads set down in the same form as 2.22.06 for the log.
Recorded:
10.44.36
